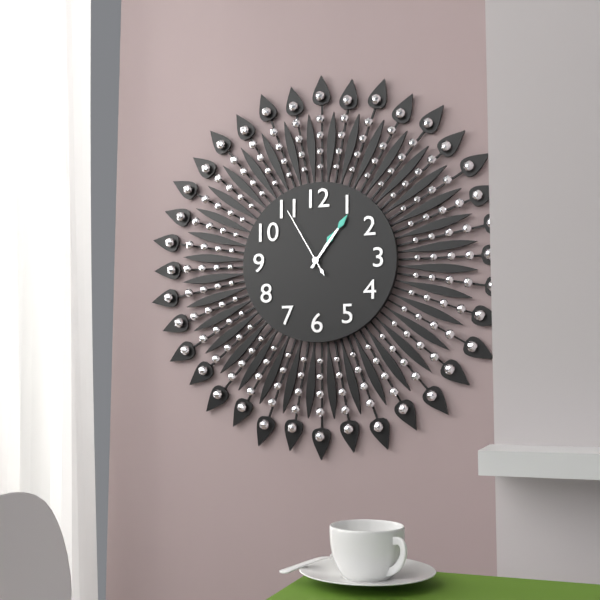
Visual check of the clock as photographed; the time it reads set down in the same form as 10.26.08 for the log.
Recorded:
1.06.55
